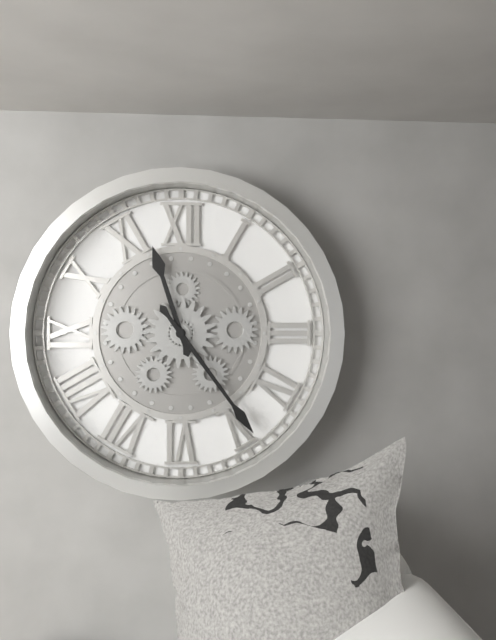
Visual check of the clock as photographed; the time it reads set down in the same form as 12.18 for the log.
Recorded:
11.24
